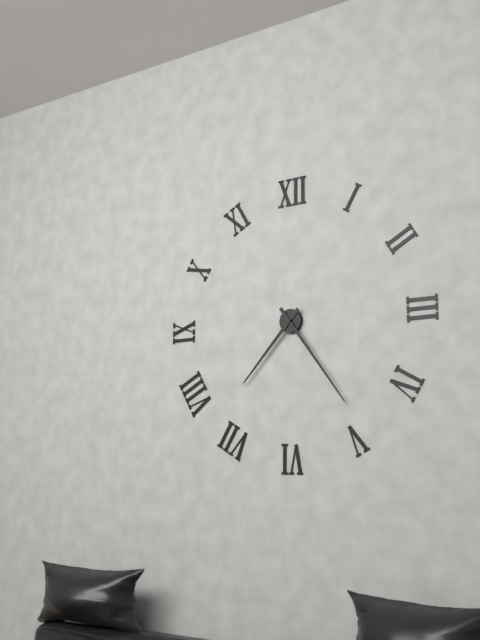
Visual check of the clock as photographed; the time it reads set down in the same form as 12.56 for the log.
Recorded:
7.24
